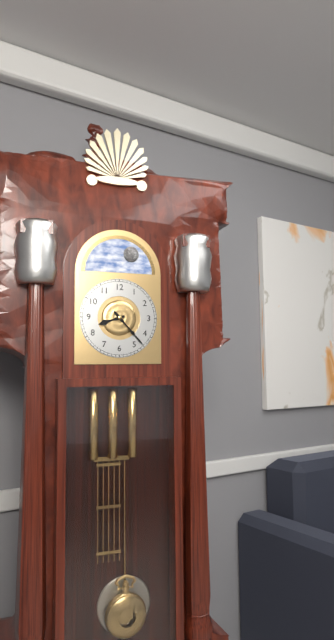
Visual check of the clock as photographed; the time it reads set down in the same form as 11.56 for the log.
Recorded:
8.23
